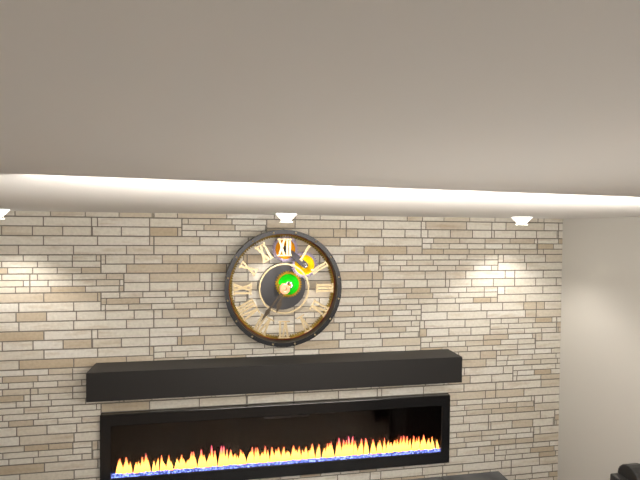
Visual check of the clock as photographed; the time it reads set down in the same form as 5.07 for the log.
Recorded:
6.36
